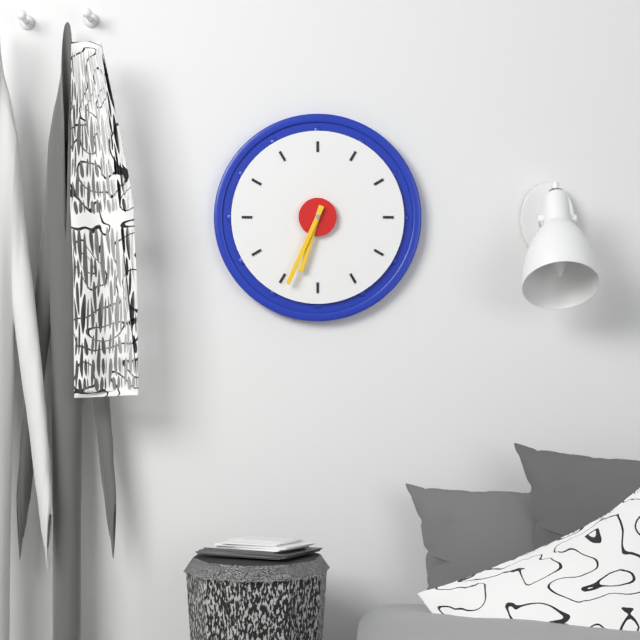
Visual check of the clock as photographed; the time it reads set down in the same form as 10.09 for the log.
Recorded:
6.34
